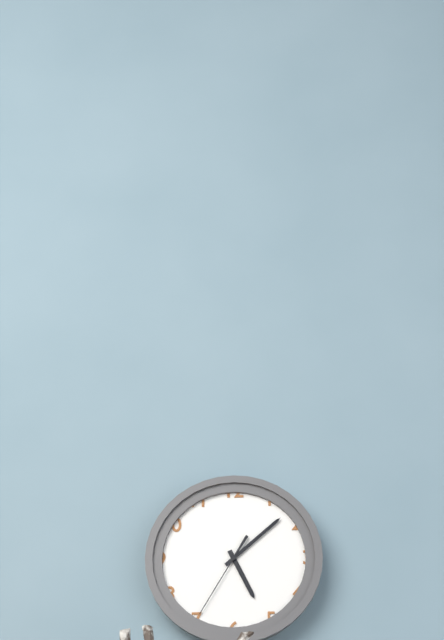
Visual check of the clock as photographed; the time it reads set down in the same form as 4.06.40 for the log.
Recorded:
5.08.35
